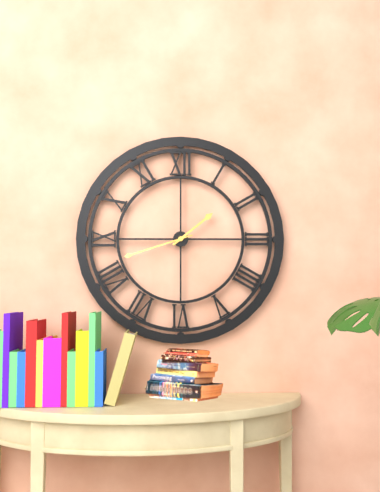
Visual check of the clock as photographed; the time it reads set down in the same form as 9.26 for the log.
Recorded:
1.42
